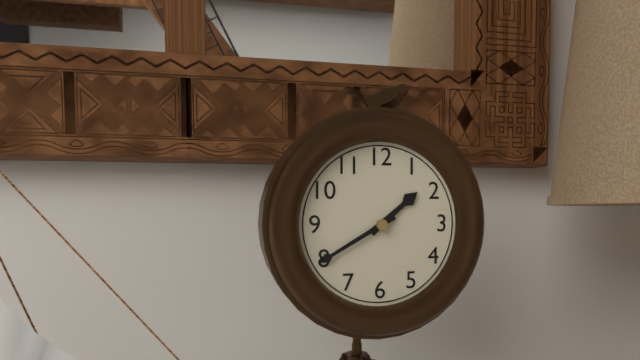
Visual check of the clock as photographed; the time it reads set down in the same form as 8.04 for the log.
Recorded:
1.40
